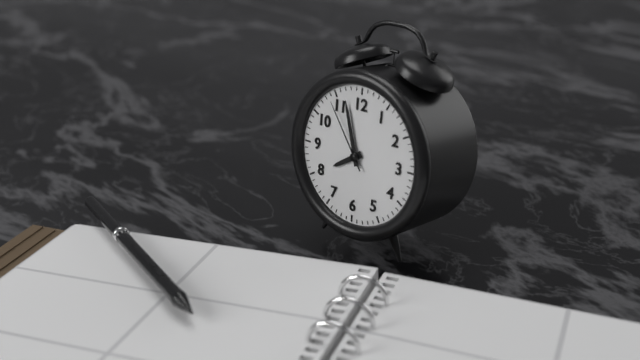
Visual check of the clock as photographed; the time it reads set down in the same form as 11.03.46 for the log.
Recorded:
7.57.54
